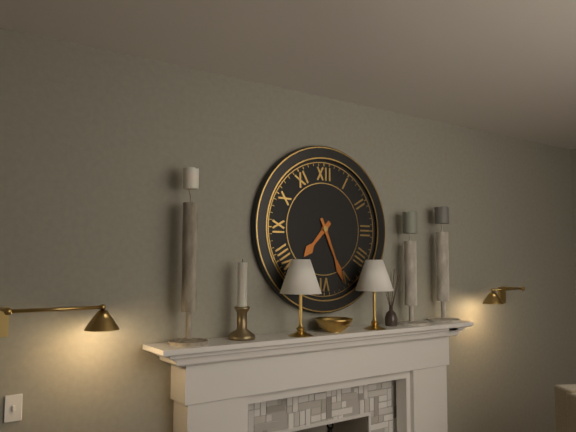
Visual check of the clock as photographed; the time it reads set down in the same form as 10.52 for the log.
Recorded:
7.26
